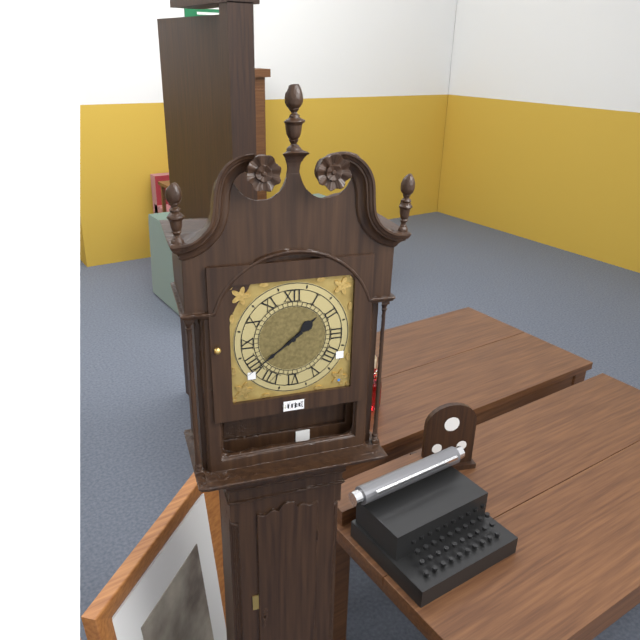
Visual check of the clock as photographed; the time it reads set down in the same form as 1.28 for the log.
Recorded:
1.39
